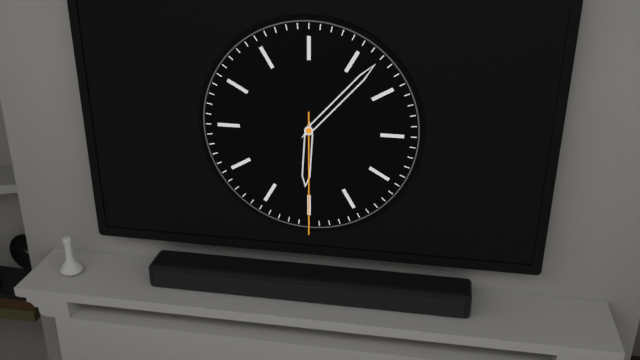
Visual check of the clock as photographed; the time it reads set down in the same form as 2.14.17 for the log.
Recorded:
6.07.30
